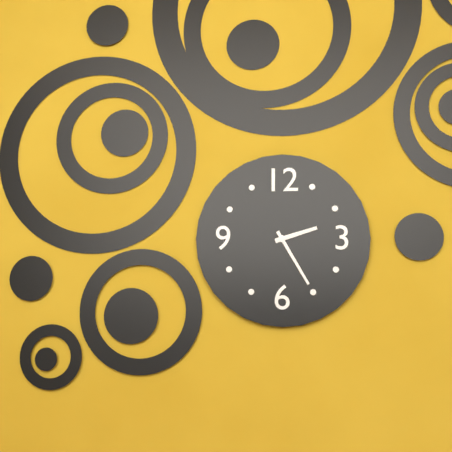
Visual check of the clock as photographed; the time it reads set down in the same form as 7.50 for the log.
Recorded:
2.25
